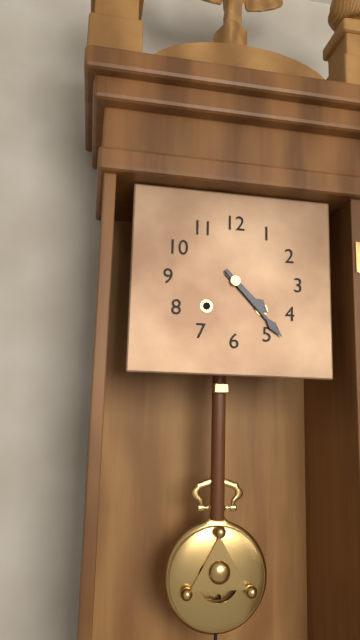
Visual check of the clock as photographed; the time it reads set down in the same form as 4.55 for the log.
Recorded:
4.23
